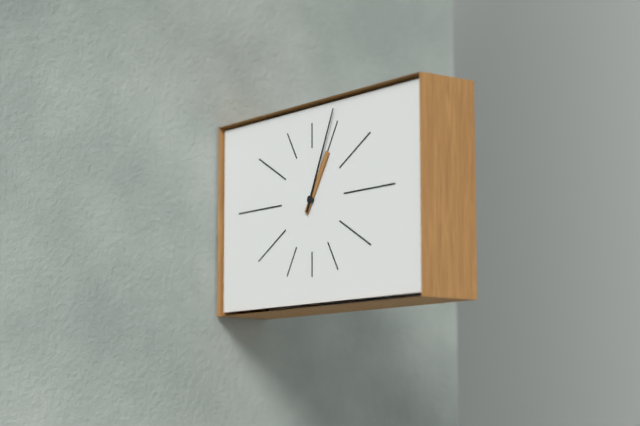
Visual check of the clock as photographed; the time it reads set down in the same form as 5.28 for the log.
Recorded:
1.04
